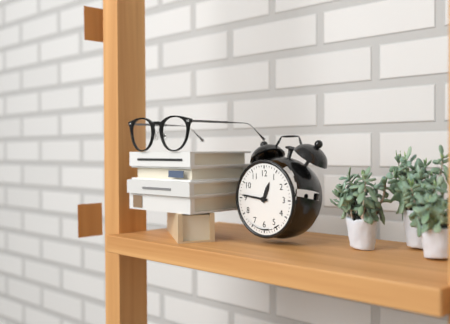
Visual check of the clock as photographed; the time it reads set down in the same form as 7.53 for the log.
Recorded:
12.46
